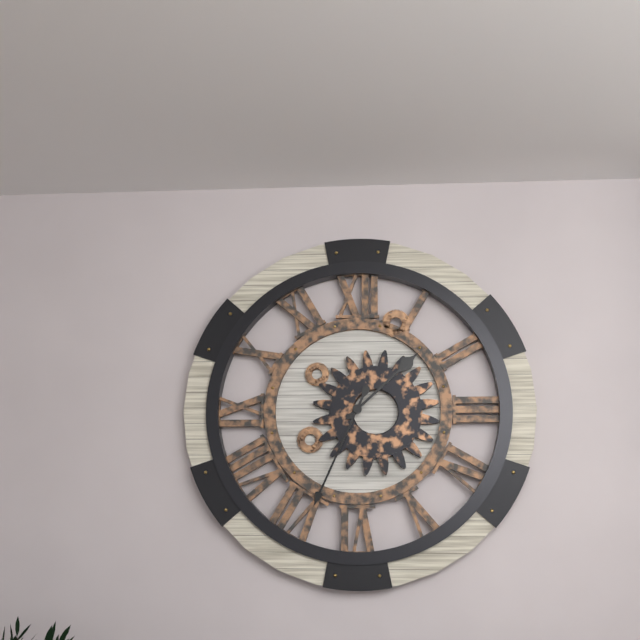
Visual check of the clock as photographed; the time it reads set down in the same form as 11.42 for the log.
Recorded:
1.34
